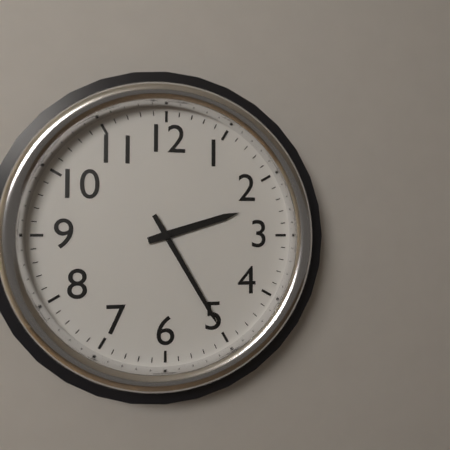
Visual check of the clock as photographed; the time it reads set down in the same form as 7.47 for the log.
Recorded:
2.25
